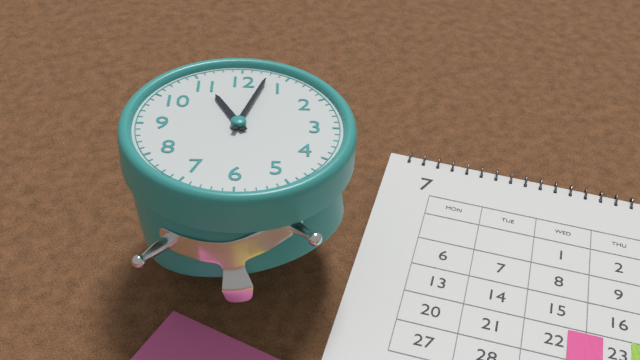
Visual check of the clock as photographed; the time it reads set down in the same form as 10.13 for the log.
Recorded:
11.03
